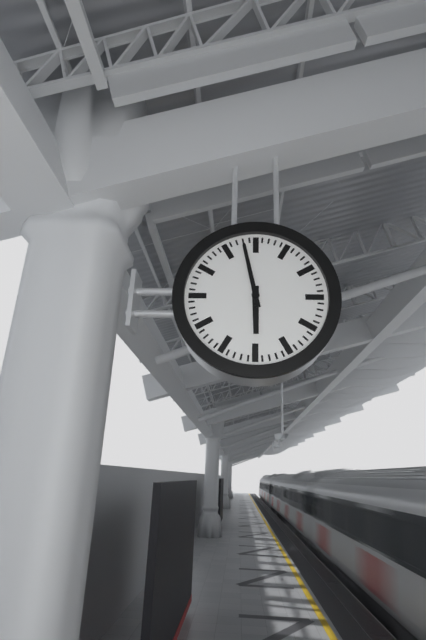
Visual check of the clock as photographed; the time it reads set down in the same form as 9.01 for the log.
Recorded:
5.58
